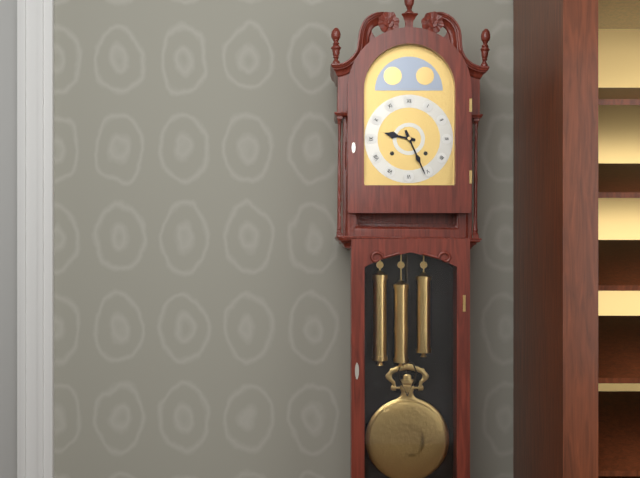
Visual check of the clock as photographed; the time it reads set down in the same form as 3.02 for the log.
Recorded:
9.26
